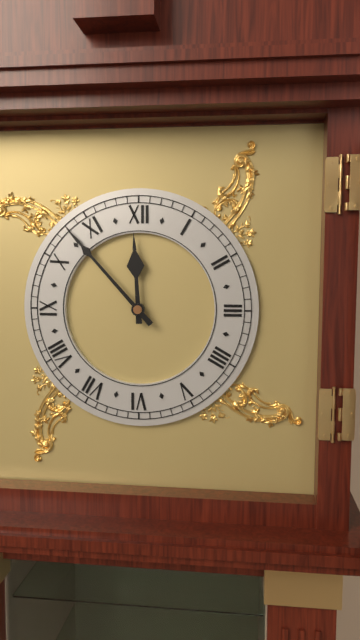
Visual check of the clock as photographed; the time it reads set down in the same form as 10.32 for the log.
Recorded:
11.53
